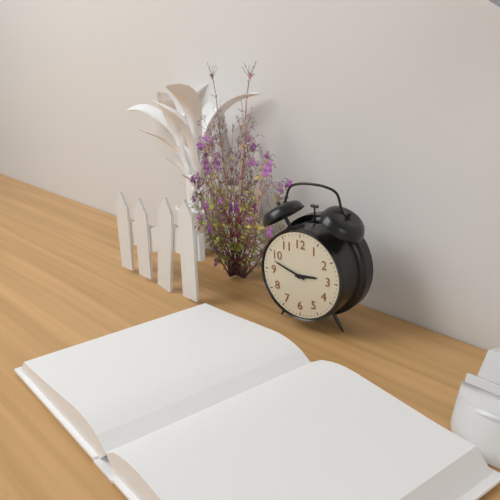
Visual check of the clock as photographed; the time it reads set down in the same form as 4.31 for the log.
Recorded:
2.48
